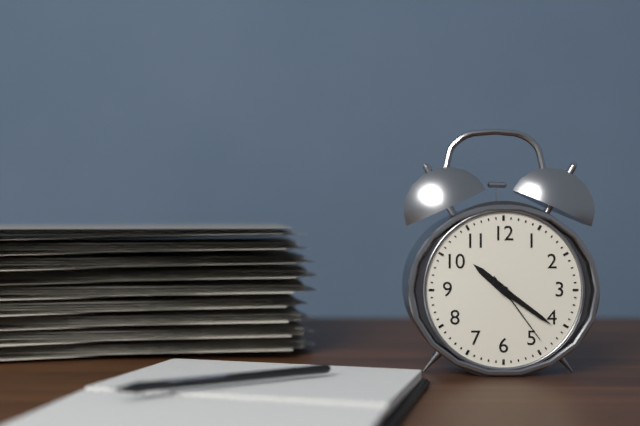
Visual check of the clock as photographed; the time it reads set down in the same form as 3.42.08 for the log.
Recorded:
10.21.24
